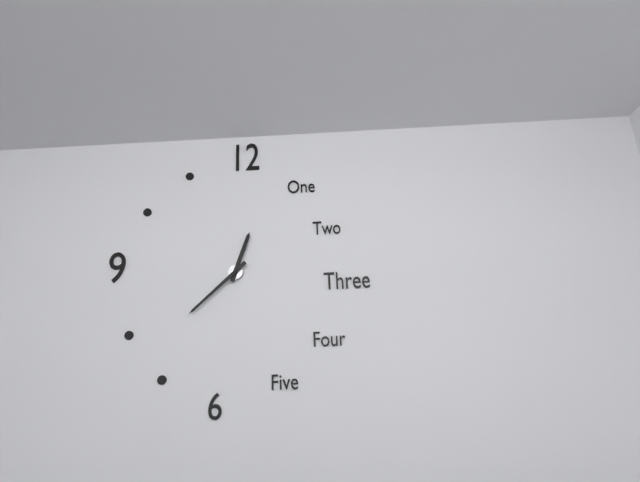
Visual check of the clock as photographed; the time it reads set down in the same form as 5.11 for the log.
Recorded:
12.38
